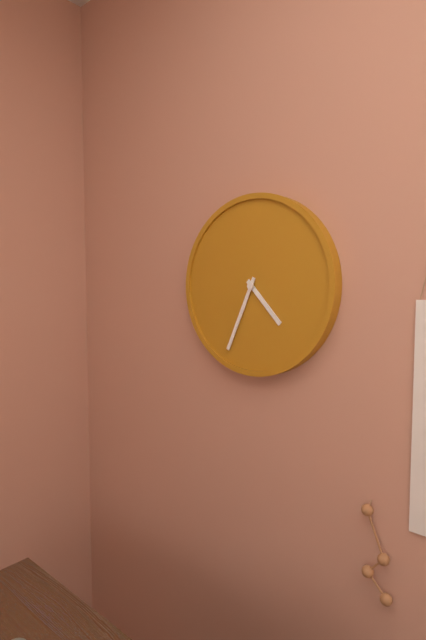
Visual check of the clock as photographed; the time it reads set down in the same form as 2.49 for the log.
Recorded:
4.34
